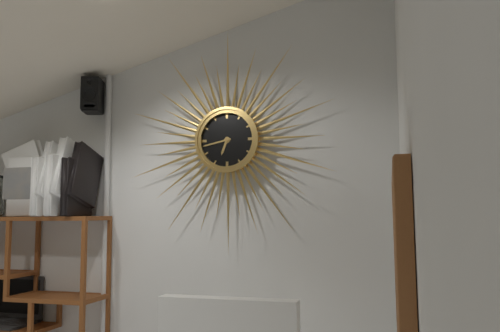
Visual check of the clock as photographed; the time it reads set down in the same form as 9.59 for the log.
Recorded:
6.43
